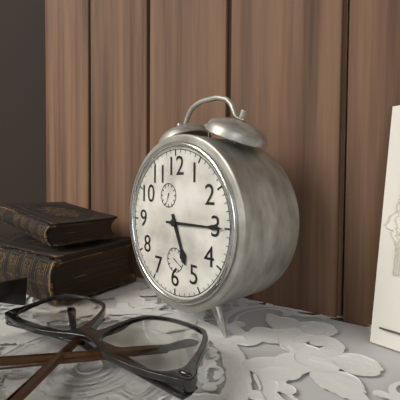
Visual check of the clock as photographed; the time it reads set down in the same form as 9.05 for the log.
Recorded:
5.15
